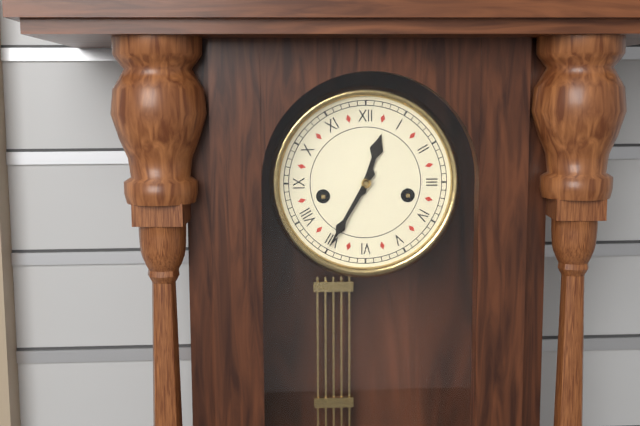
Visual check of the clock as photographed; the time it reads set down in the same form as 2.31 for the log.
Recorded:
12.35
